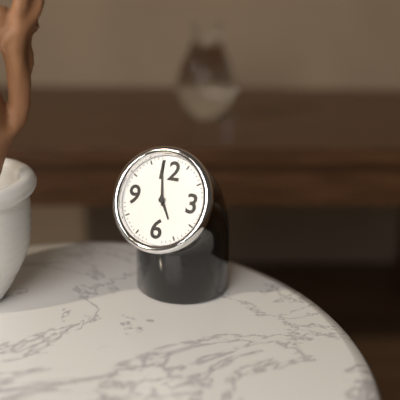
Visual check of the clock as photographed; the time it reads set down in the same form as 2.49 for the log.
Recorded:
4.58
